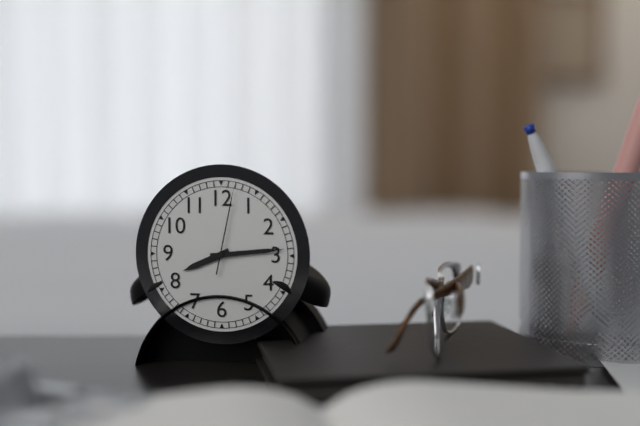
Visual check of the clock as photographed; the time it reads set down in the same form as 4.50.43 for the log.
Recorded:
8.14.02
